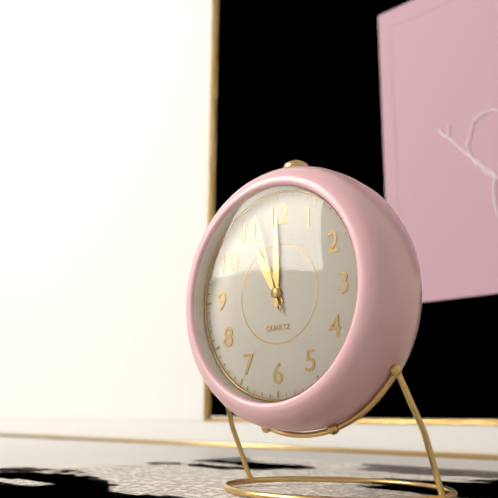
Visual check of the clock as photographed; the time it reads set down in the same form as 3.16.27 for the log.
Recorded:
11.00.57
